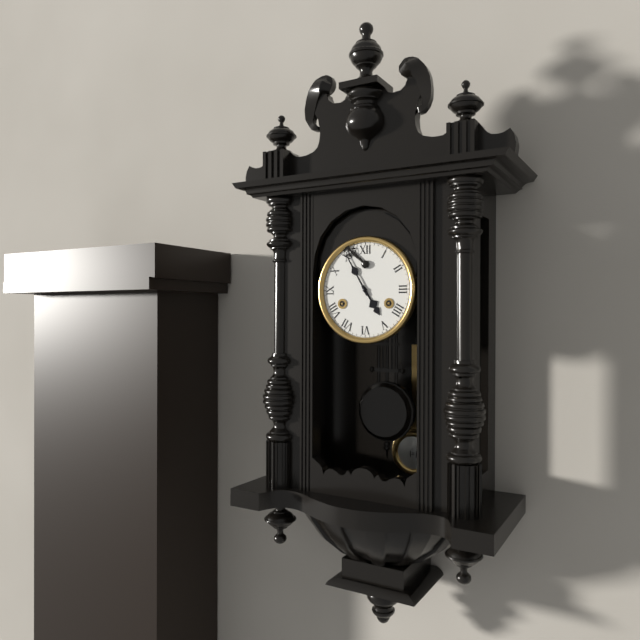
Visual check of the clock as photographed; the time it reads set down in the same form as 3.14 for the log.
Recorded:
4.55
